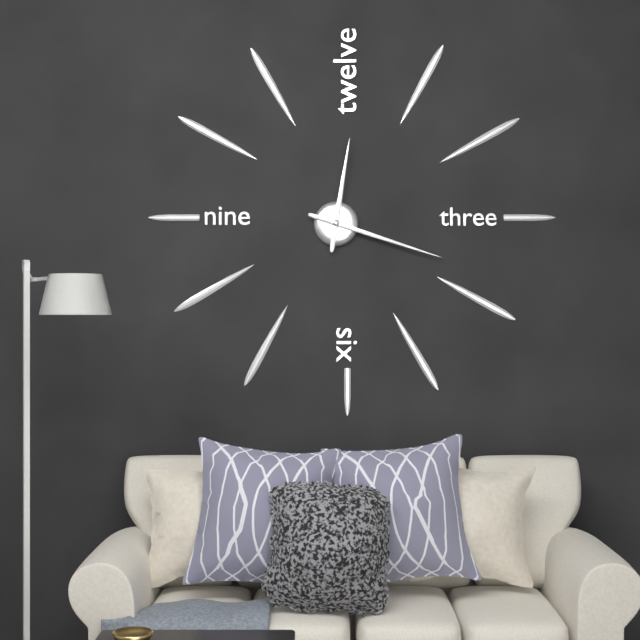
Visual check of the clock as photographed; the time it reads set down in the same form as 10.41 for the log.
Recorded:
12.18
